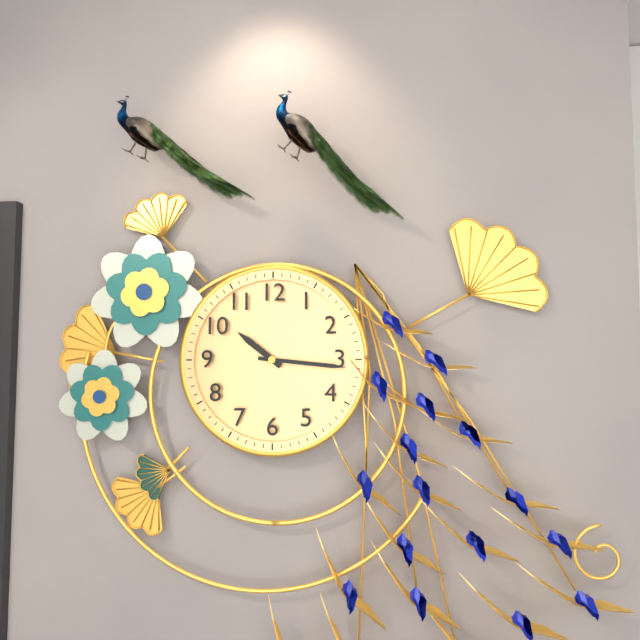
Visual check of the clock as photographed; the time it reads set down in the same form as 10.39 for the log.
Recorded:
10.16
